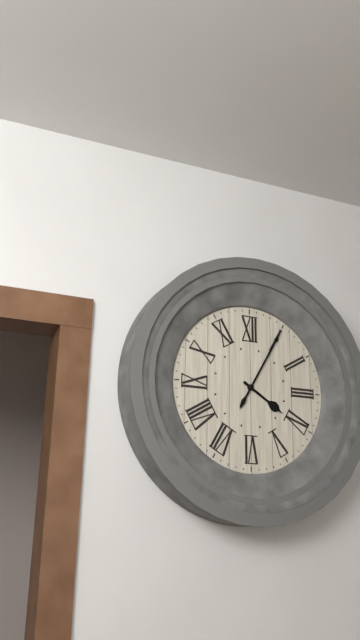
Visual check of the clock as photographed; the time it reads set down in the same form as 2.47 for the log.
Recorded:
4.05
